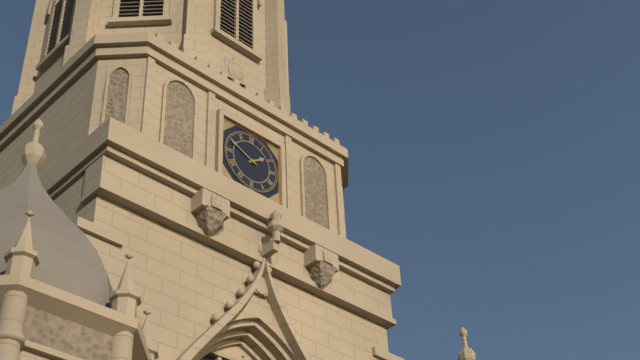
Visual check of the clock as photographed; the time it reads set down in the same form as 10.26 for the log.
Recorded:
1.49
